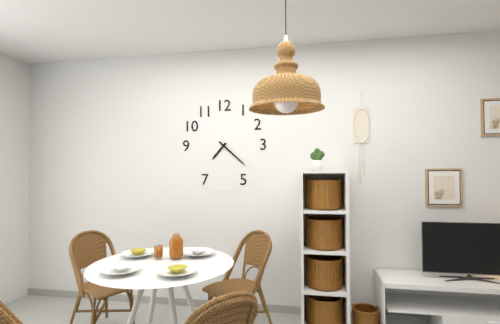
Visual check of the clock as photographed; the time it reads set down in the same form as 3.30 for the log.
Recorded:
7.22
